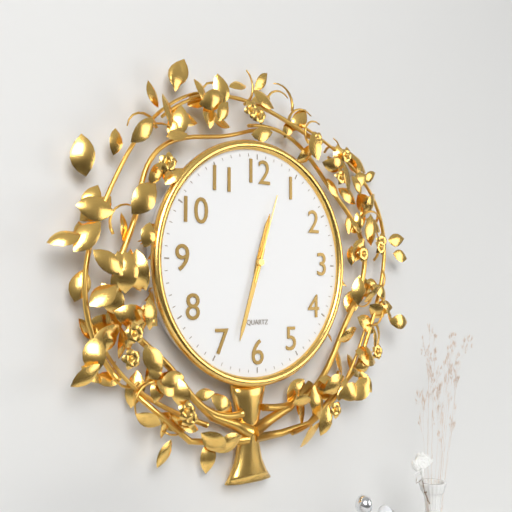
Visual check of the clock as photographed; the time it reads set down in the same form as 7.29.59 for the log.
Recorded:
12.33.03
